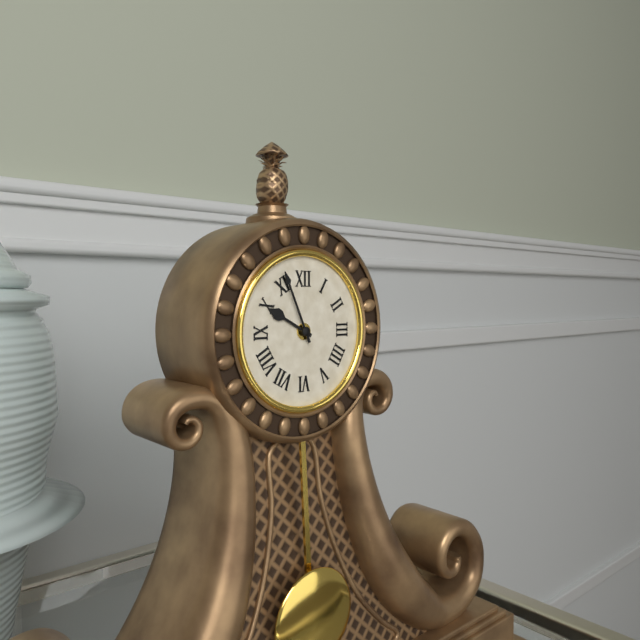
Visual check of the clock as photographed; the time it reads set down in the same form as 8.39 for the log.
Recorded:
9.56
